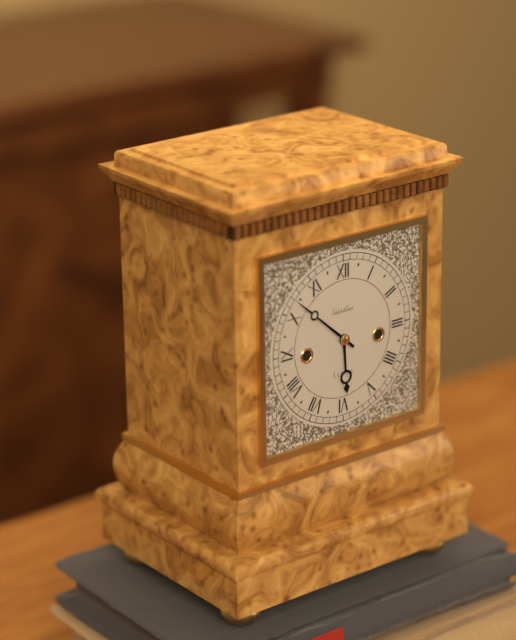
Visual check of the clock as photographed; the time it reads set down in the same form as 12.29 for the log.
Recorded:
5.52
